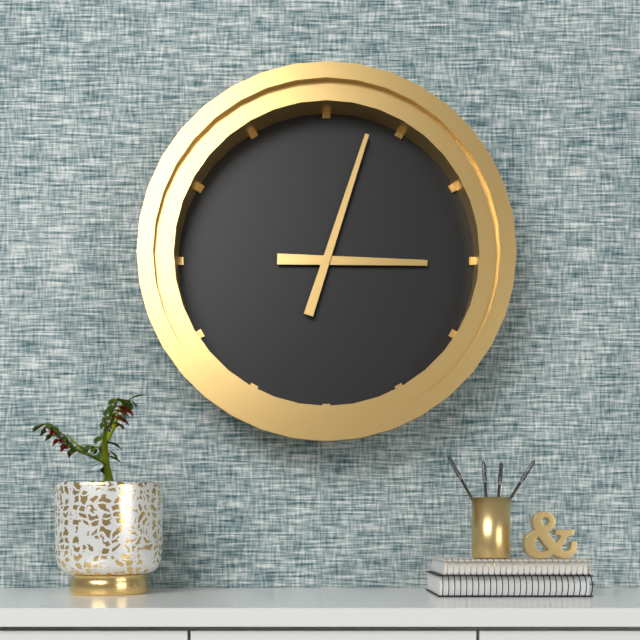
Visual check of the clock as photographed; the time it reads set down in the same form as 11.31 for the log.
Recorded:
3.03
